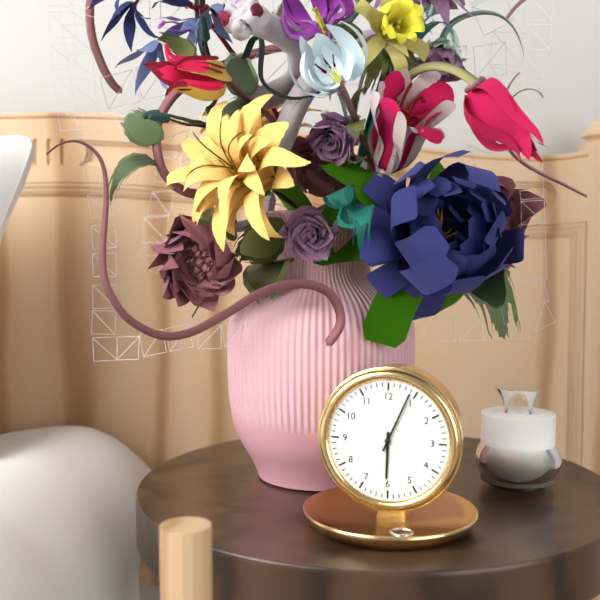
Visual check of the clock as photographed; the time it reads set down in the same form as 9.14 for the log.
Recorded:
6.04
